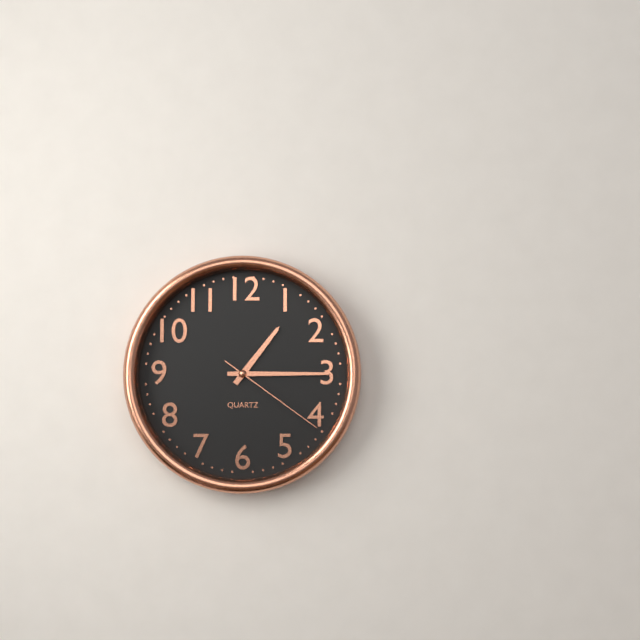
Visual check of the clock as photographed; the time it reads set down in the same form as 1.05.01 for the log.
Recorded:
1.15.21
